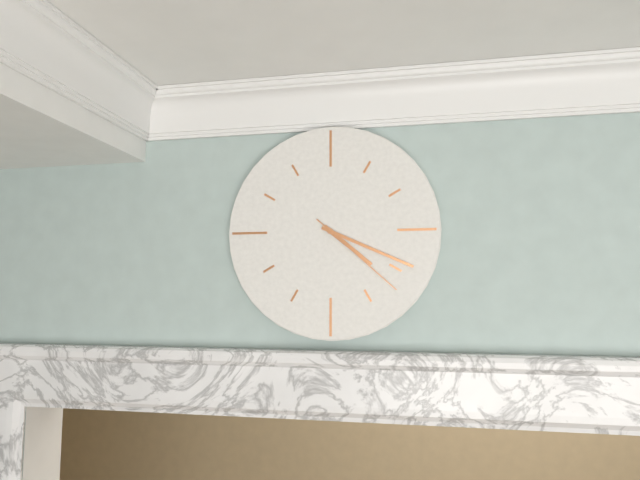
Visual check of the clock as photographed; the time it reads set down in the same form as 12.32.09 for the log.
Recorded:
4.19.22
